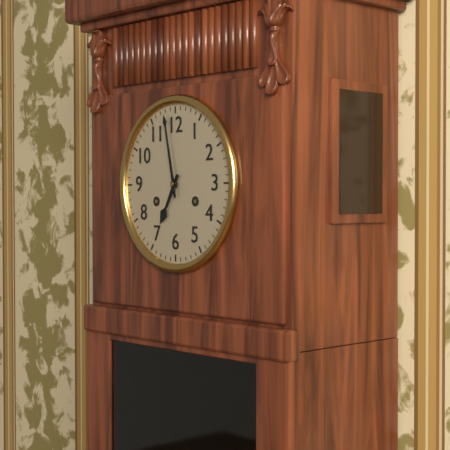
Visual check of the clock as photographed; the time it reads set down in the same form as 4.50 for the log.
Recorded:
6.58
